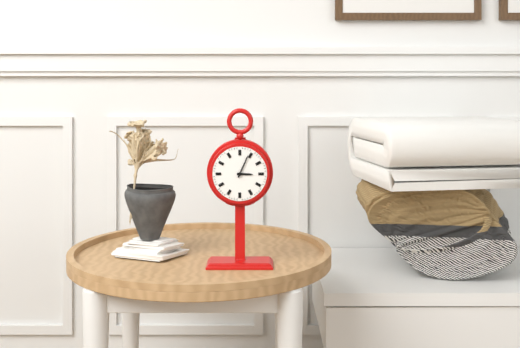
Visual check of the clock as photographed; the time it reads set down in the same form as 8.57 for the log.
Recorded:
3.04
